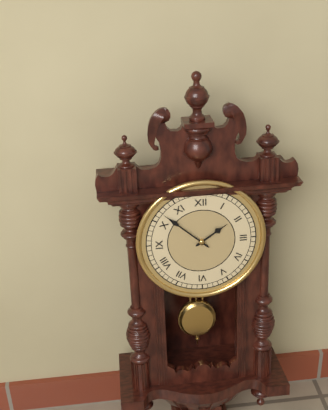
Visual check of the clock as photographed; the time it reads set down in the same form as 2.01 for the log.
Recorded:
1.52
